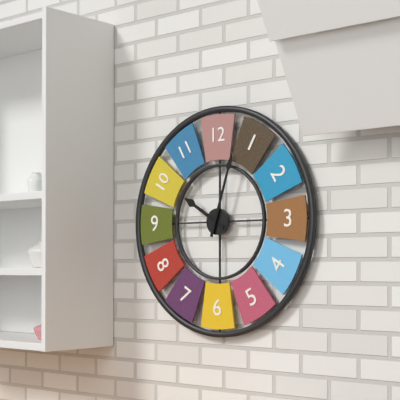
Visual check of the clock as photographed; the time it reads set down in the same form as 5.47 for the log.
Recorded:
10.03
